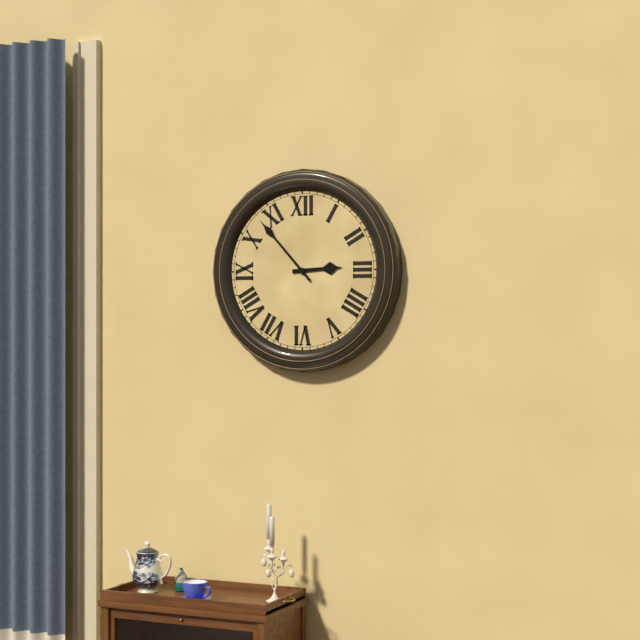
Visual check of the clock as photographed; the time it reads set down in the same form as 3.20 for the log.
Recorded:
2.53
